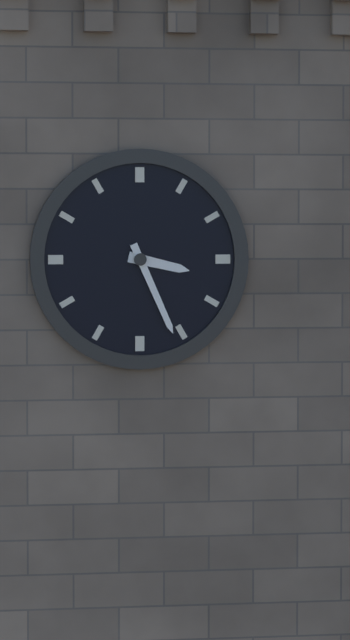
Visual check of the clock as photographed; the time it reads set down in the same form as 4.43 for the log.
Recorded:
3.26
